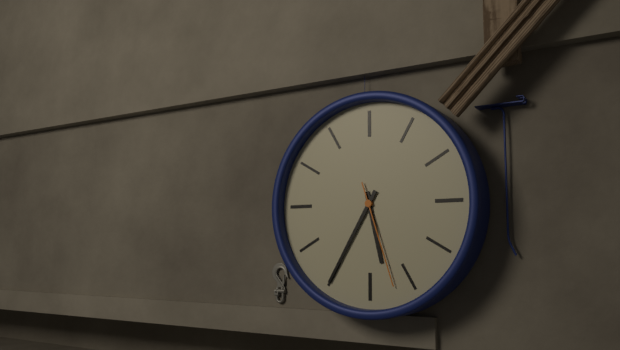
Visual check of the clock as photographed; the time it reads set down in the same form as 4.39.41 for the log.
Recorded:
5.35.27
